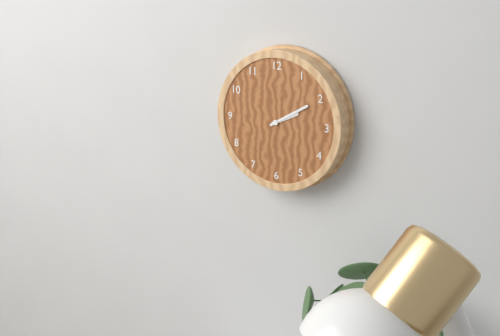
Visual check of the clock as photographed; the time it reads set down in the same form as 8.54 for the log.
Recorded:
2.10
